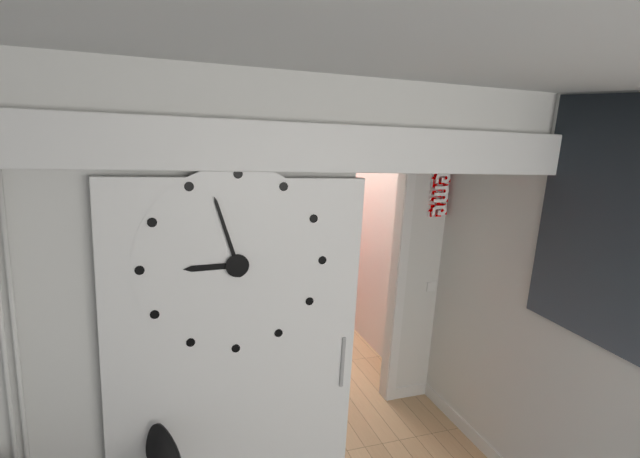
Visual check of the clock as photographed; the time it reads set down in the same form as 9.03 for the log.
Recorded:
8.57
